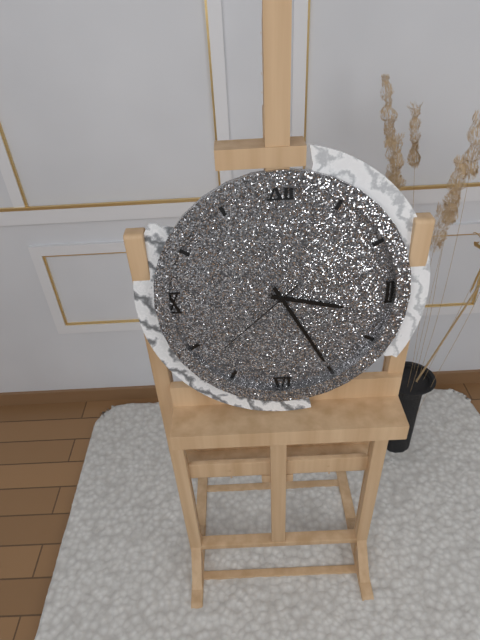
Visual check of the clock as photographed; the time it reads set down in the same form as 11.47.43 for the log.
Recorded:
3.25.38
